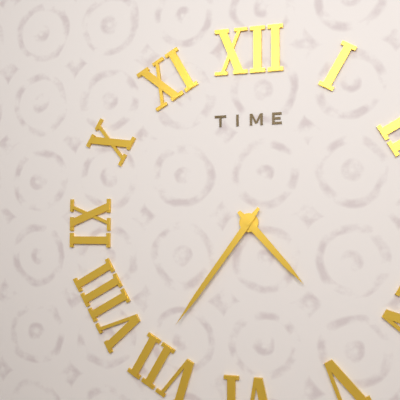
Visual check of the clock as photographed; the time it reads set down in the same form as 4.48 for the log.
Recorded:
4.36
